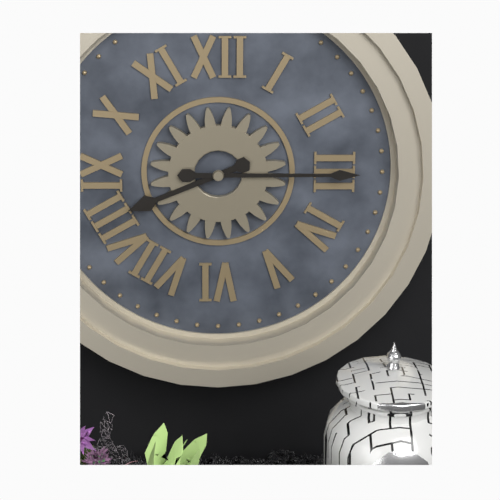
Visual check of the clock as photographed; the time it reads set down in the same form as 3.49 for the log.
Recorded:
8.15
